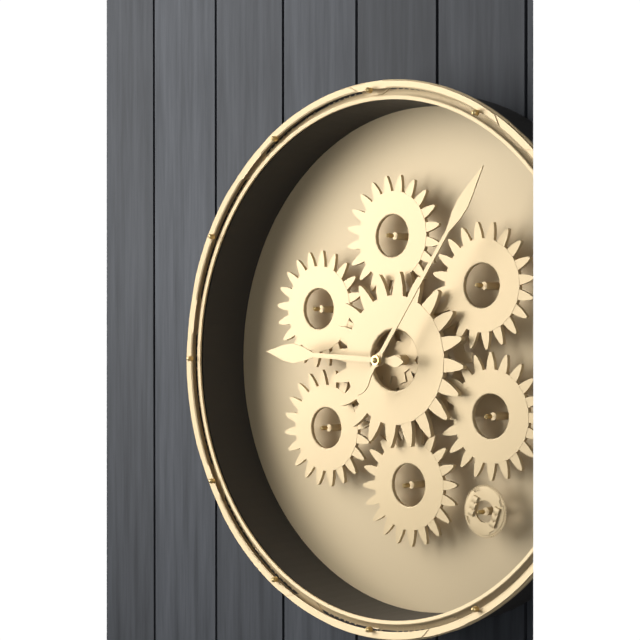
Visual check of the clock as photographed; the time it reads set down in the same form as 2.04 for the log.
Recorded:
9.06
